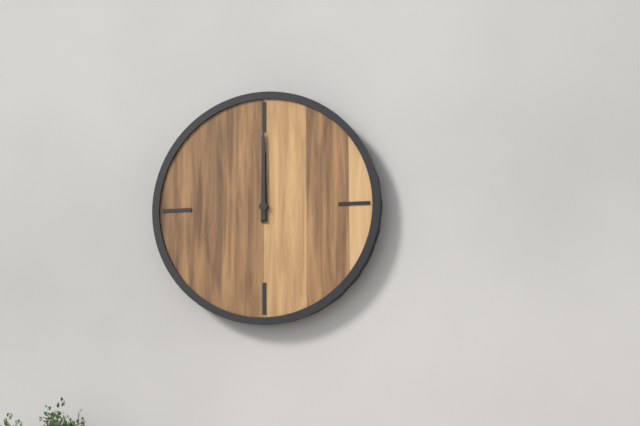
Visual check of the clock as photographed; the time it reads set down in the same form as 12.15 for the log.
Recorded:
12.00
